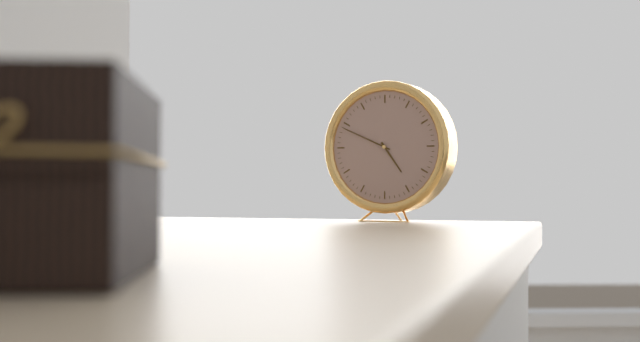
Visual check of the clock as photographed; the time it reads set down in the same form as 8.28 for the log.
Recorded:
4.49
